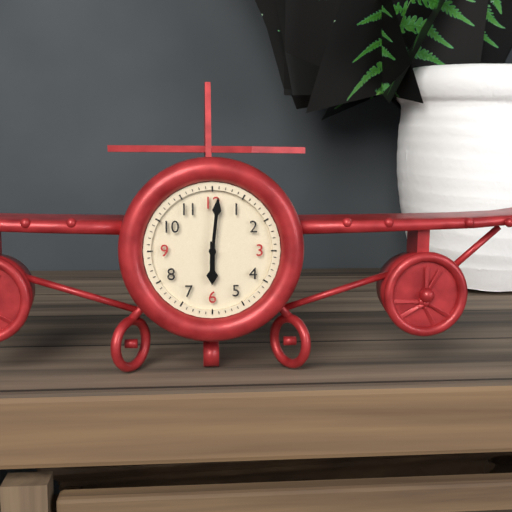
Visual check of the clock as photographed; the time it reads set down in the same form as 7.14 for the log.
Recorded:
6.01
